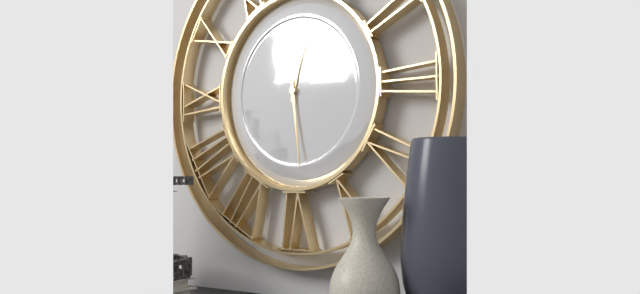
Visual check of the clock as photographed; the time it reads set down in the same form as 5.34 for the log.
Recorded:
12.29
